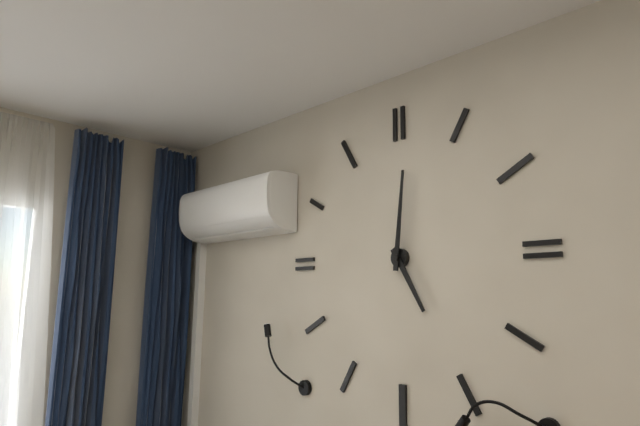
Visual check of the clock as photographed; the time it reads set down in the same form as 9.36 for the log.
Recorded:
5.01
